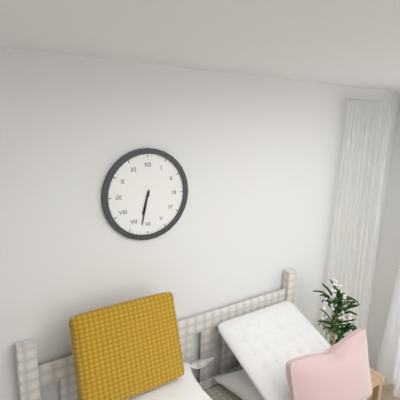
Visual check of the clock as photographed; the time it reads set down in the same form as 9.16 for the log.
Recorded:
6.32
